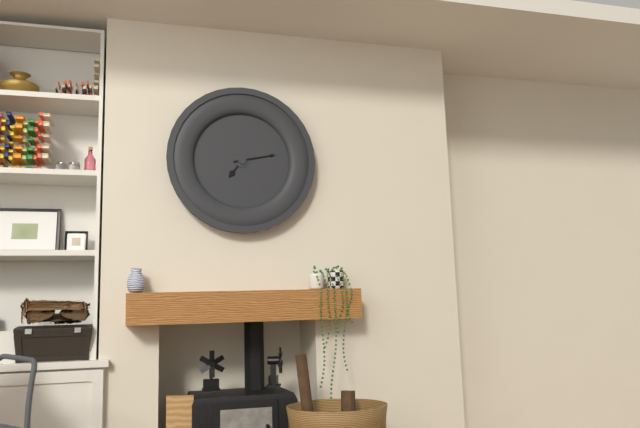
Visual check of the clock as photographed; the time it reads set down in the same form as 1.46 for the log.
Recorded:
7.13
